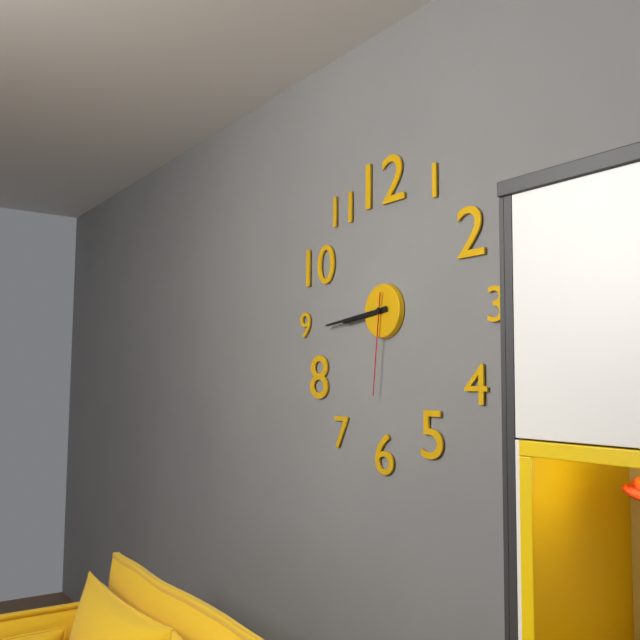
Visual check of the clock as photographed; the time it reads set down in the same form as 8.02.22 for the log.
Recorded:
8.44.31
